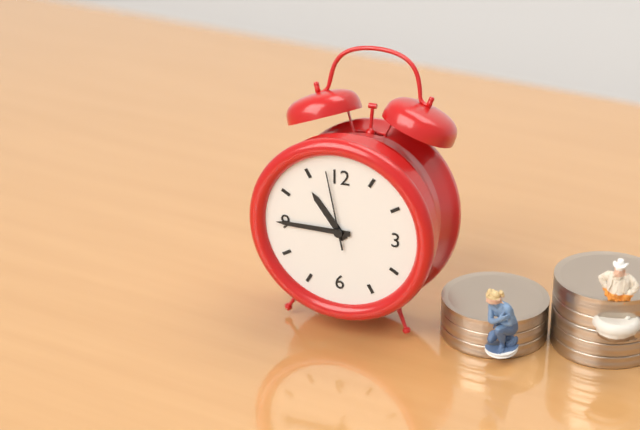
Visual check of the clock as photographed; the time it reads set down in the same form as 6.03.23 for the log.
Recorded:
10.45.58
